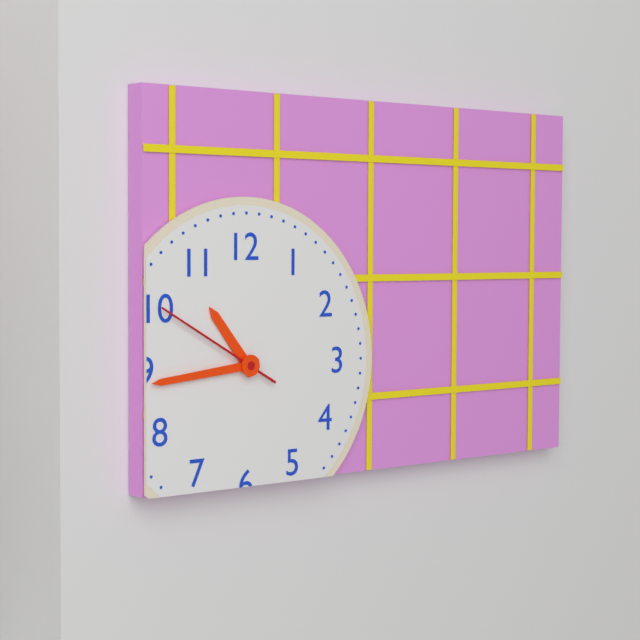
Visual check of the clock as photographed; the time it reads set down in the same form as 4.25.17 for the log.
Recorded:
10.44.50
